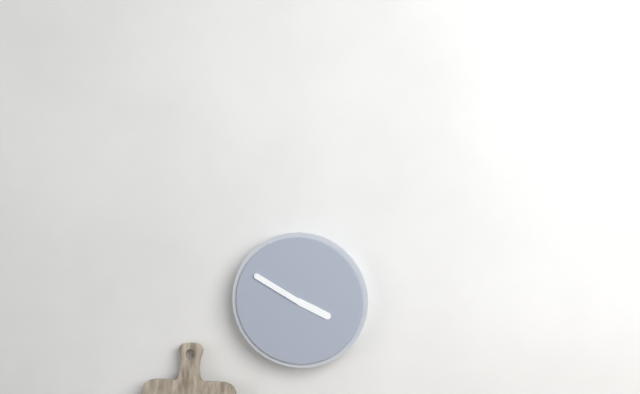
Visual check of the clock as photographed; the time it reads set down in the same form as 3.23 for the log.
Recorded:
3.50
